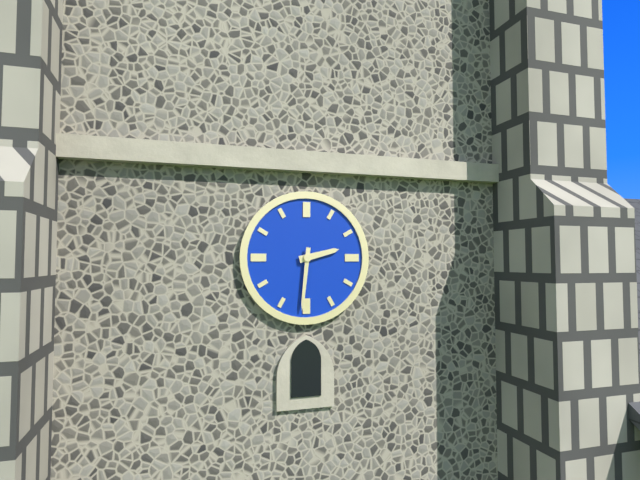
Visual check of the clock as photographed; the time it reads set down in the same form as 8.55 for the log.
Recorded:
2.31
